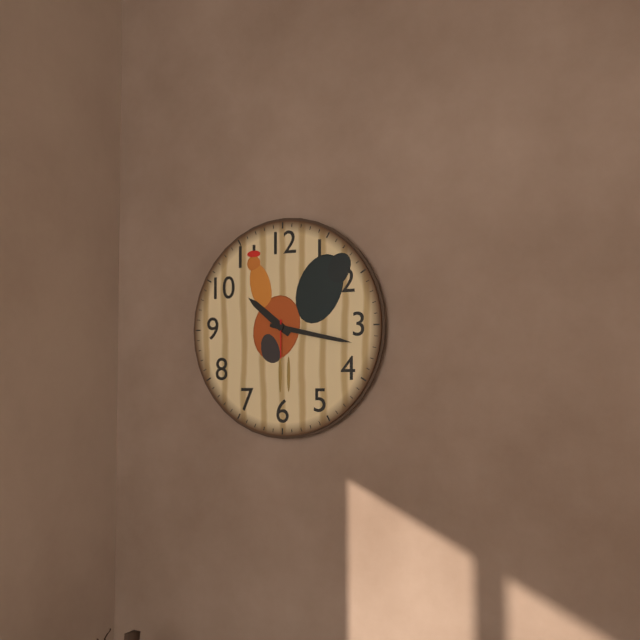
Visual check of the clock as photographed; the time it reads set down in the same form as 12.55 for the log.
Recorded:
10.17
